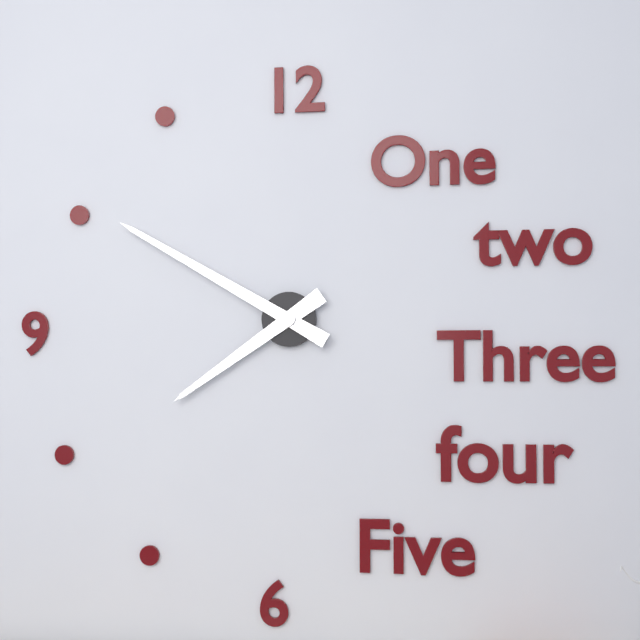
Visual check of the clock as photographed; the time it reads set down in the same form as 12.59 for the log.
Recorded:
7.50
